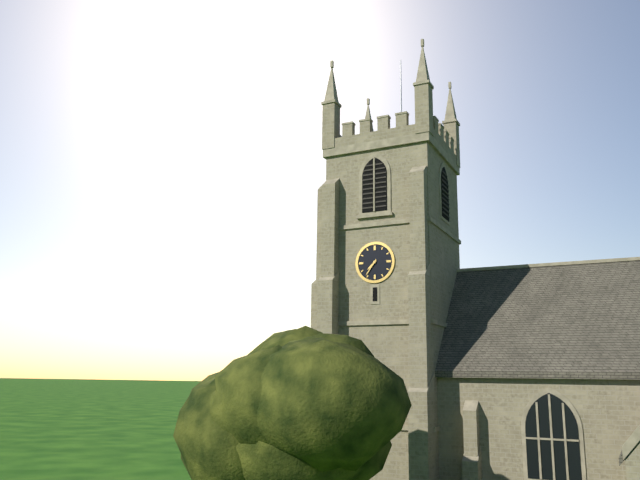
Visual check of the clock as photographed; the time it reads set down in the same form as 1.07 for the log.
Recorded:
7.36
